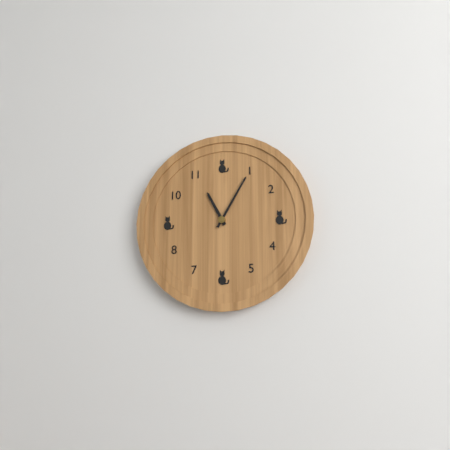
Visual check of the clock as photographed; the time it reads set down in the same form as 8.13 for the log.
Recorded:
11.05
